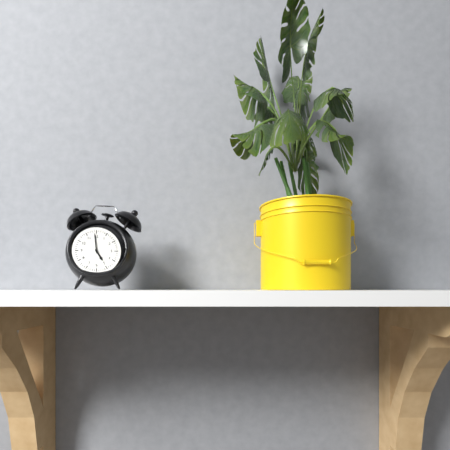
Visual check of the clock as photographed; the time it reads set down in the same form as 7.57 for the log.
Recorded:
4.59
